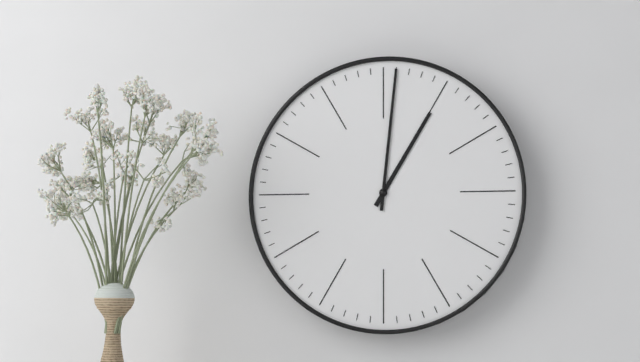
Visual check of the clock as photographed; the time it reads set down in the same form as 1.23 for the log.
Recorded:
1.01
